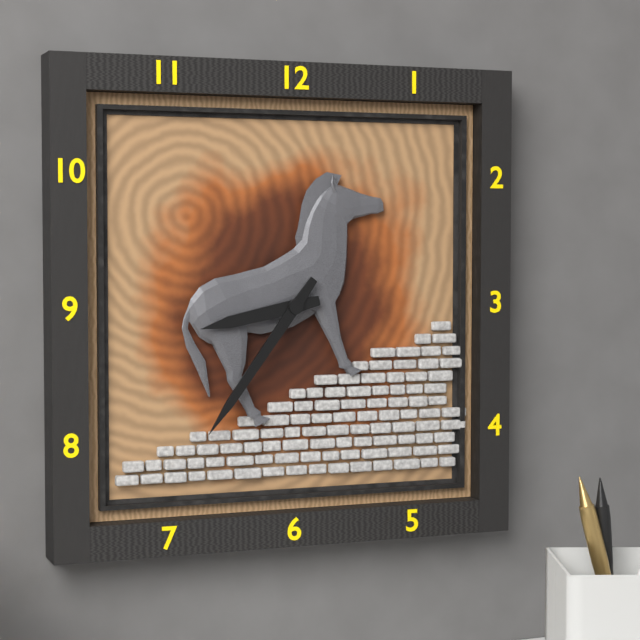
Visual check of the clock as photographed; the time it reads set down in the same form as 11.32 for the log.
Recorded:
8.36
